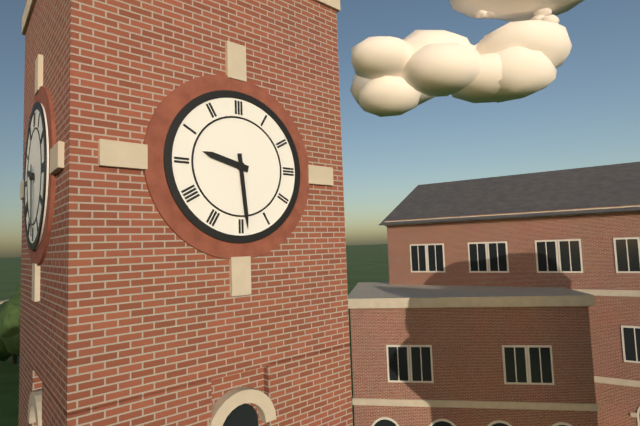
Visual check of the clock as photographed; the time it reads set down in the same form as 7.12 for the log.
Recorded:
9.29
